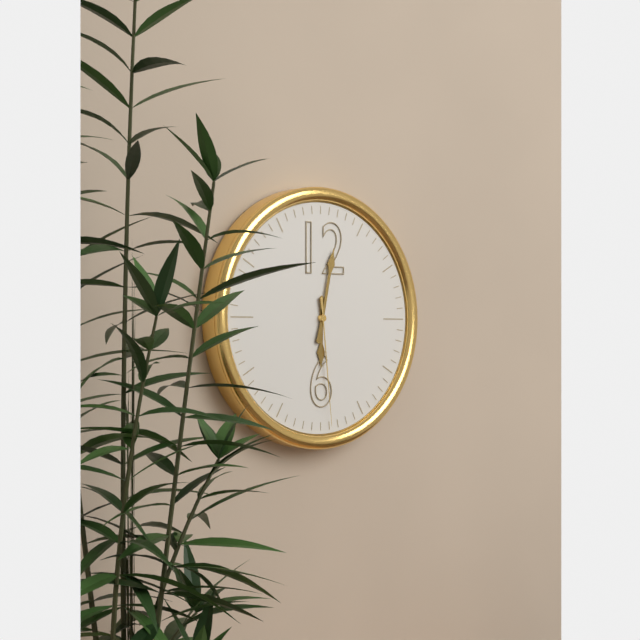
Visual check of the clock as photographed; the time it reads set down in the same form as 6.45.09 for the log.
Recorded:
6.02.29
